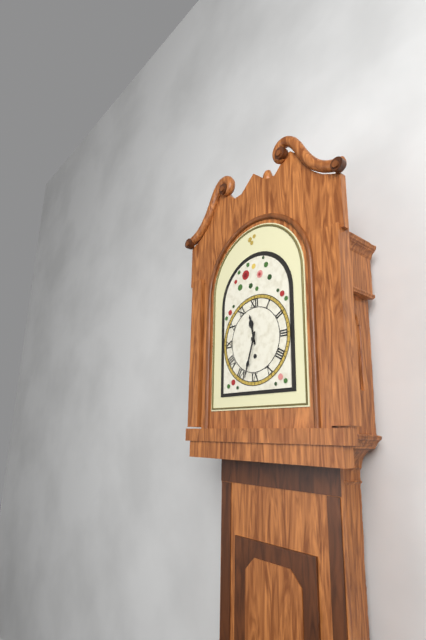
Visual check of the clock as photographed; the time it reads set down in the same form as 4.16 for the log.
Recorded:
11.33
